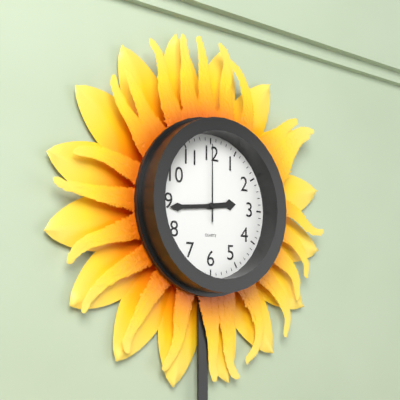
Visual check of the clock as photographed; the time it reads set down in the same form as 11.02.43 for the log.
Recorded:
2.44.00
